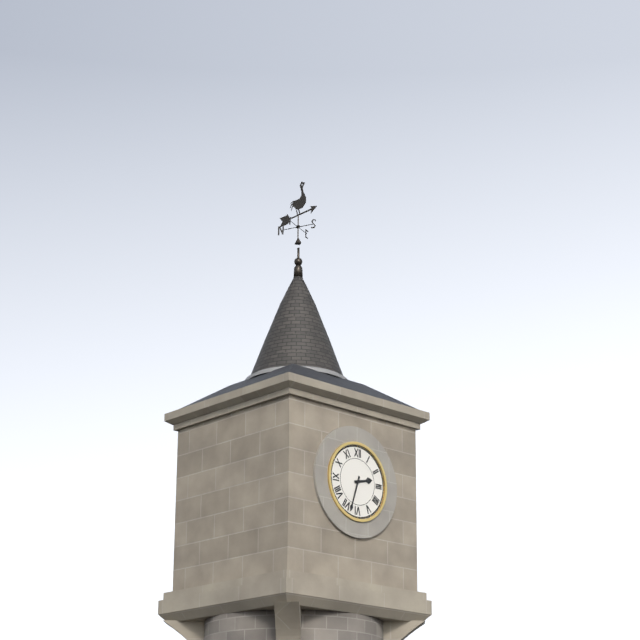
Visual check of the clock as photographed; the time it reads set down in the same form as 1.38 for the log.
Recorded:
2.33
